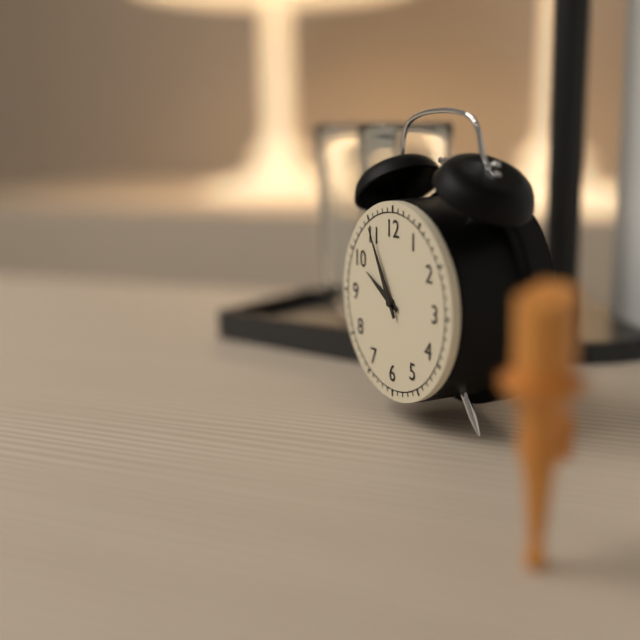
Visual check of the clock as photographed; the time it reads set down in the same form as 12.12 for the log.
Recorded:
9.55
